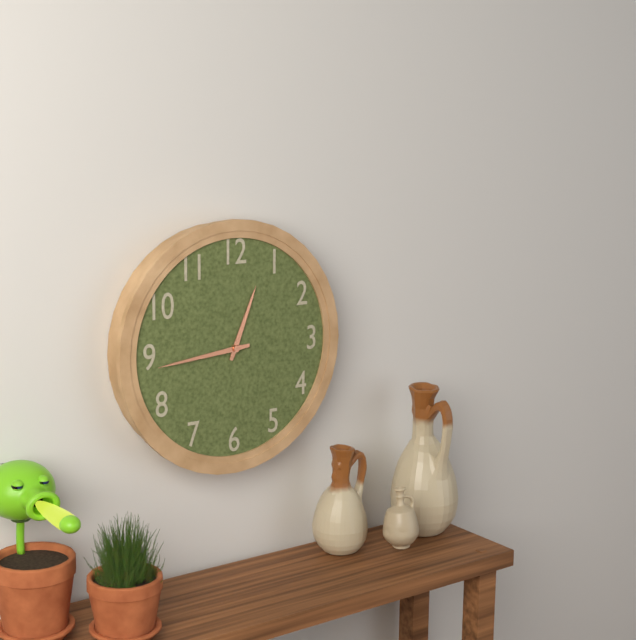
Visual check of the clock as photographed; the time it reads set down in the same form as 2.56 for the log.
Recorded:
12.44
